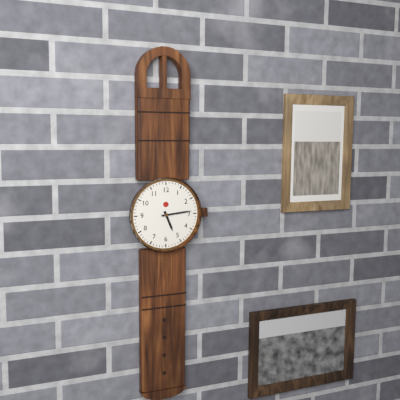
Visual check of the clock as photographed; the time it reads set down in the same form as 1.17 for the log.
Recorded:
5.14
